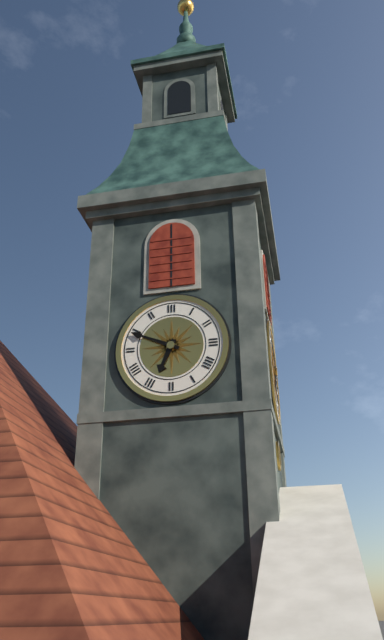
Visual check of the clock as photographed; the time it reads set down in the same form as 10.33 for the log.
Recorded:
6.49
